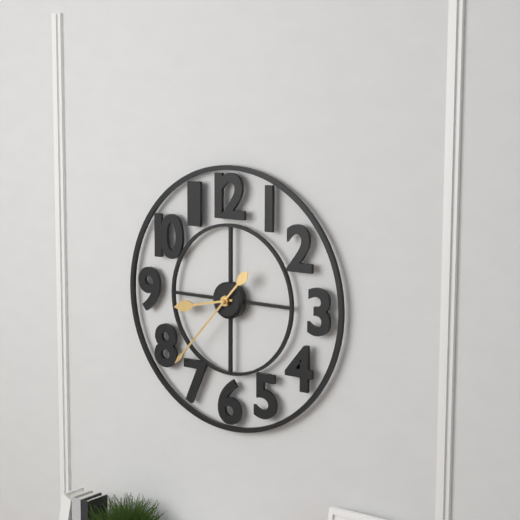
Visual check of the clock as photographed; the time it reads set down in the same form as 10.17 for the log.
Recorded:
8.37
